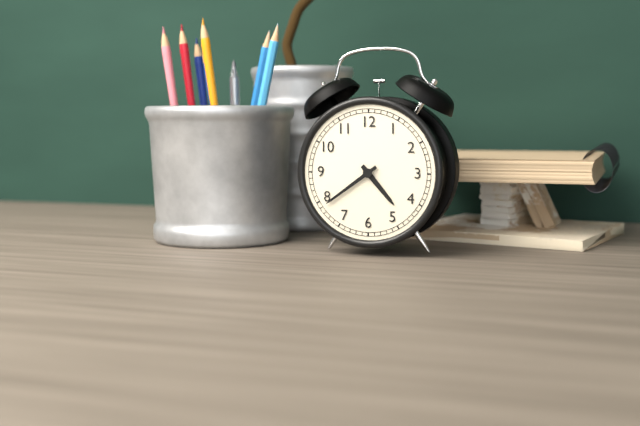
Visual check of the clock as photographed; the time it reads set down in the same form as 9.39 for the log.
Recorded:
4.39
